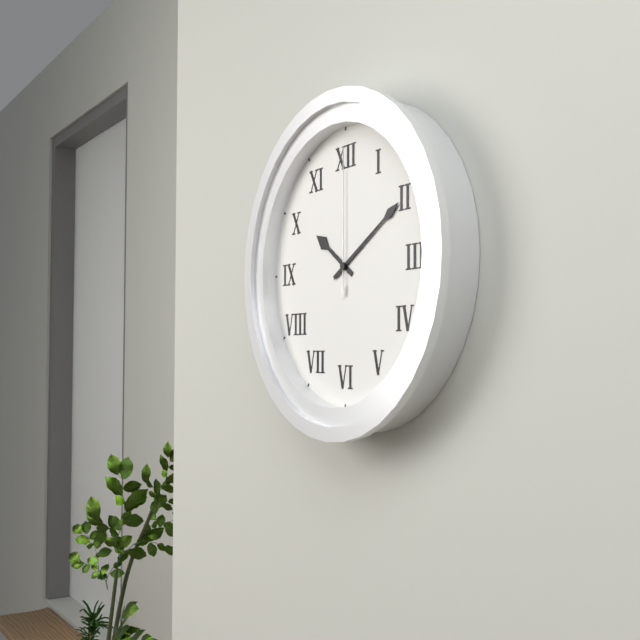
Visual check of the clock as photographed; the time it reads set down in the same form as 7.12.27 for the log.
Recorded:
10.10.00
